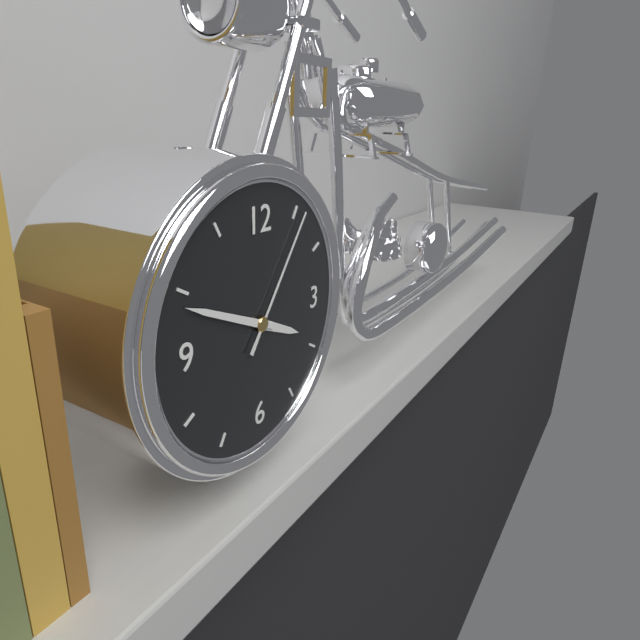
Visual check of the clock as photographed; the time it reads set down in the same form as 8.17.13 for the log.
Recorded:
3.49.06
